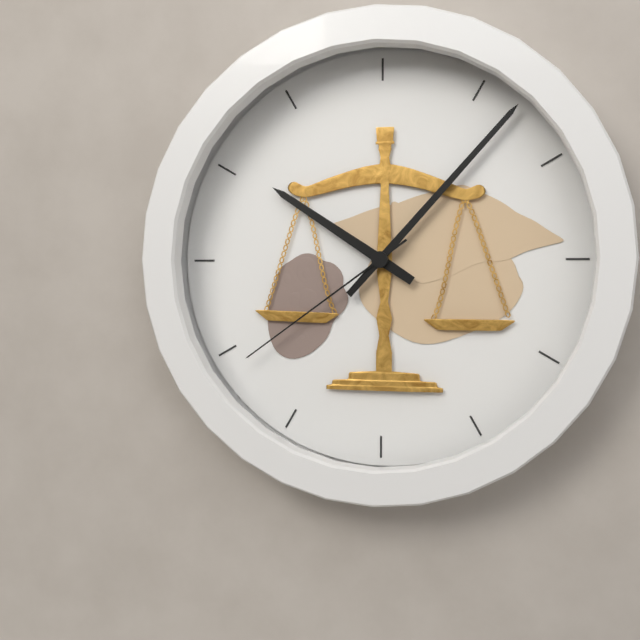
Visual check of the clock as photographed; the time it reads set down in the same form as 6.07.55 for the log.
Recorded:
10.07.39
